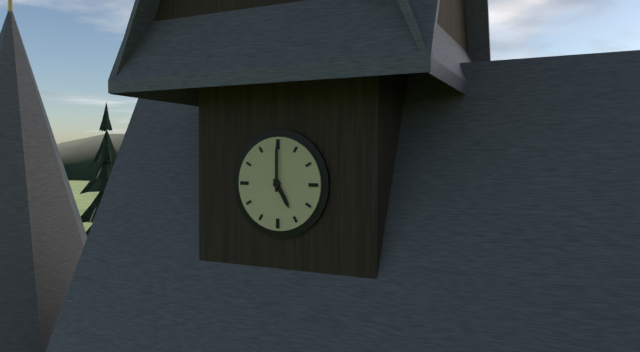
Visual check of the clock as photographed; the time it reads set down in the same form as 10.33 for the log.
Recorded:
5.00
